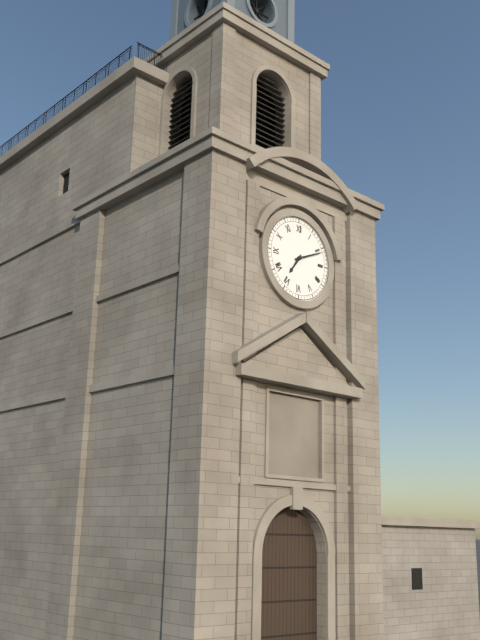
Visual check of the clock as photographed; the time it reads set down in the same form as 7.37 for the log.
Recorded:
7.11
